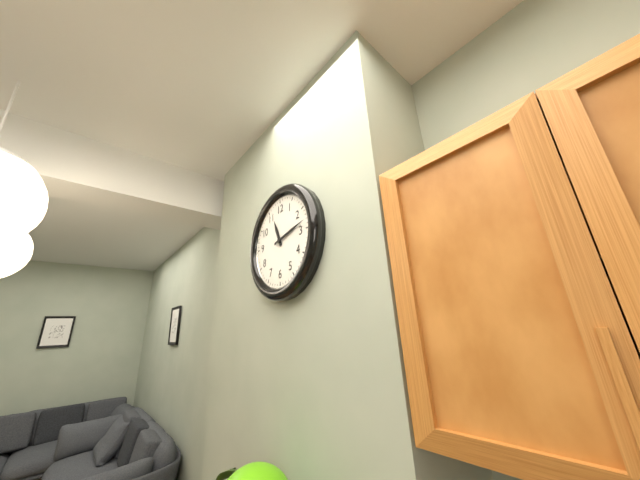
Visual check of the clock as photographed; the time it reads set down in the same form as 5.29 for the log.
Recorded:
11.13
